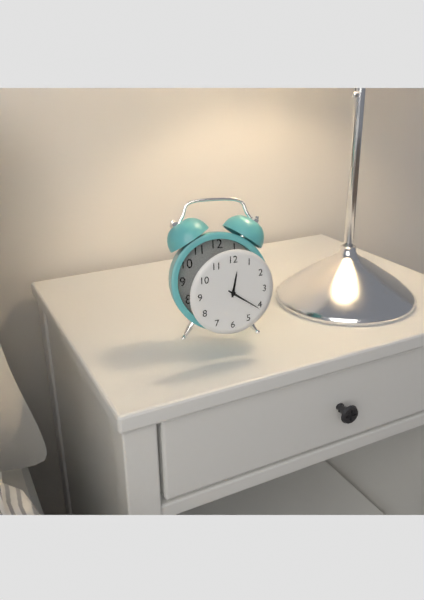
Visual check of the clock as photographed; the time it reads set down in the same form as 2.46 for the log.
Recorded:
12.21
